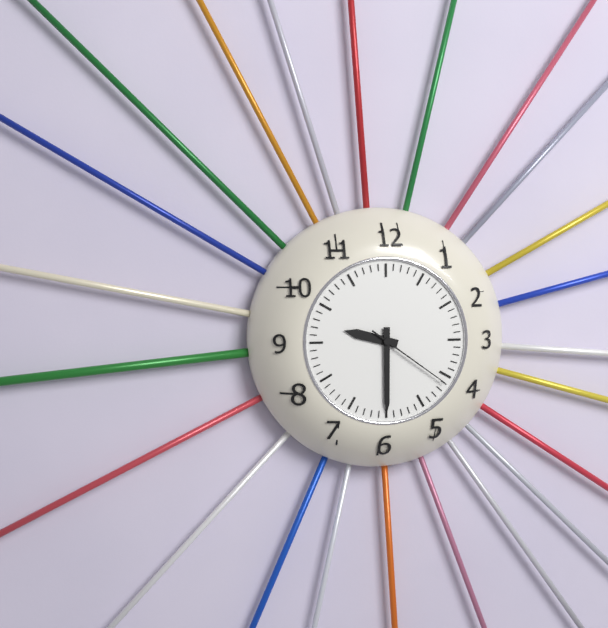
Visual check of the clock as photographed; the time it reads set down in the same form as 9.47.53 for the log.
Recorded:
9.30.21
